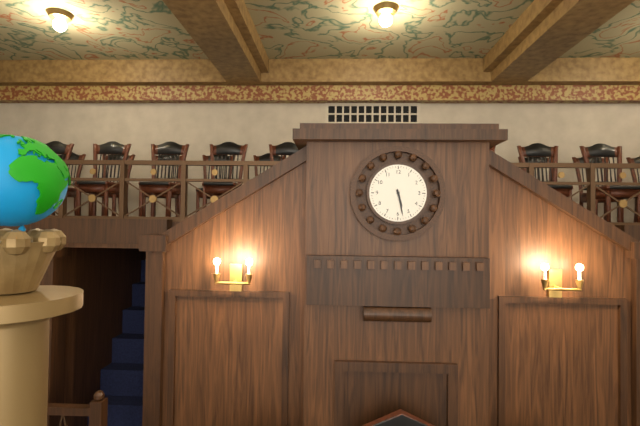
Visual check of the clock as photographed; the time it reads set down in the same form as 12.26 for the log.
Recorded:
5.28
